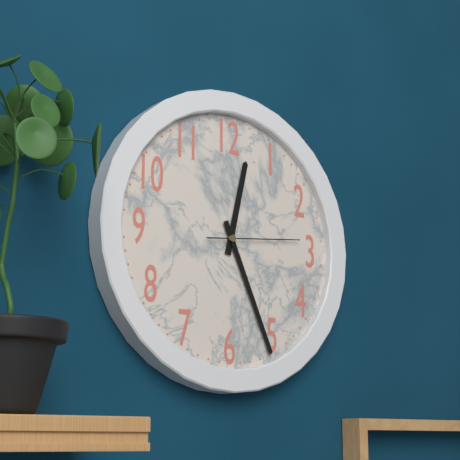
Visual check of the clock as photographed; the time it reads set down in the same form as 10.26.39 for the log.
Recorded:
12.26.14
